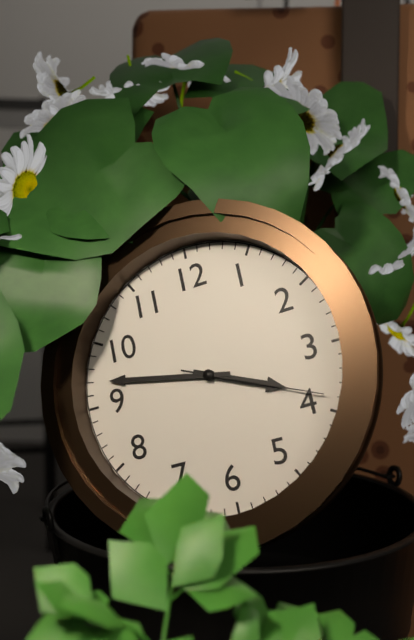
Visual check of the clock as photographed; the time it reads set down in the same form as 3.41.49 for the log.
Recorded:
3.47.19
